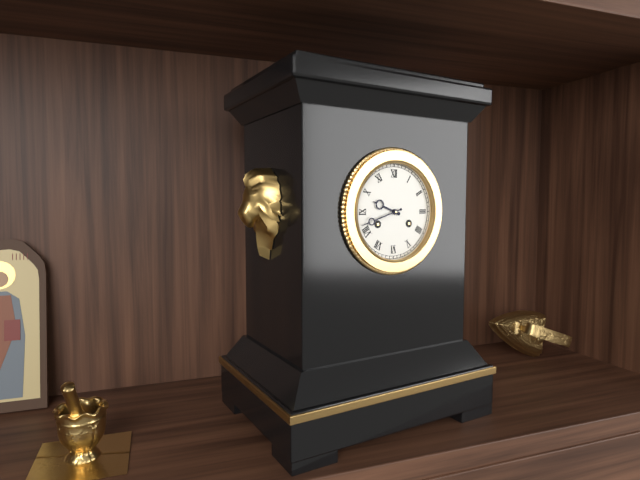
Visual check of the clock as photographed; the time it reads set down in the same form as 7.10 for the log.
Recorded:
9.42
